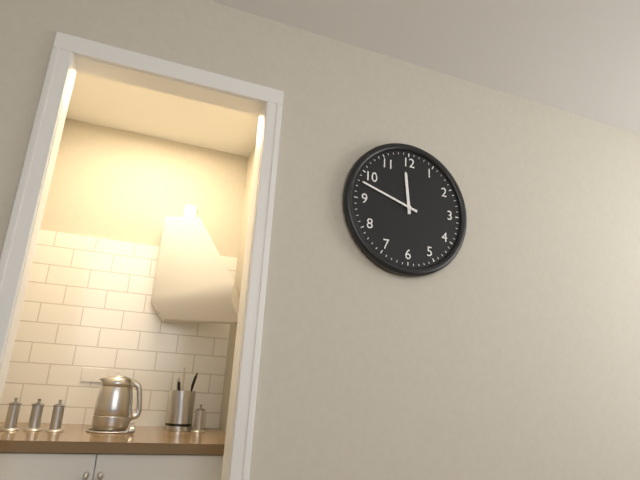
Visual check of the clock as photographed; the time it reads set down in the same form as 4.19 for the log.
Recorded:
11.48
